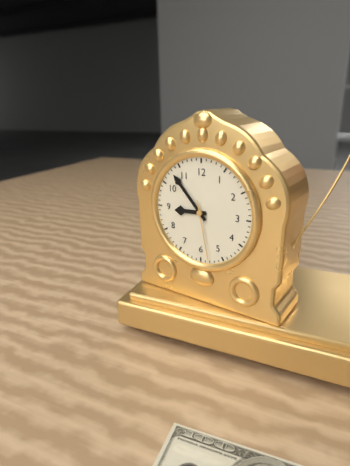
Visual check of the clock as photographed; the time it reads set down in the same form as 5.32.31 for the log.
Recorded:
8.53.28
